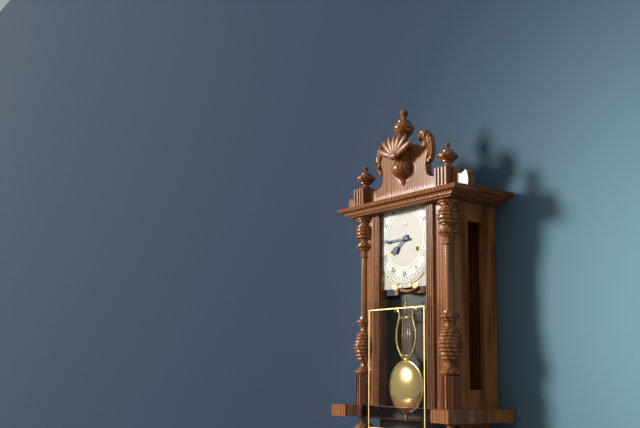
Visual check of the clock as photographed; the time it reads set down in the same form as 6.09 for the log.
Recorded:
7.45
